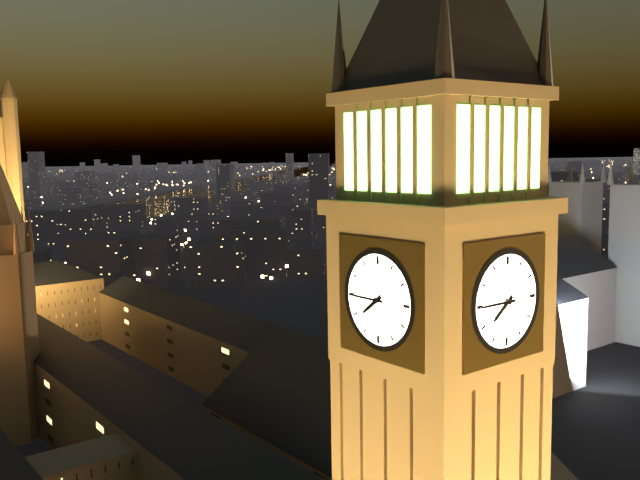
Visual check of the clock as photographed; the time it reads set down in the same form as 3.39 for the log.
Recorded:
7.45
